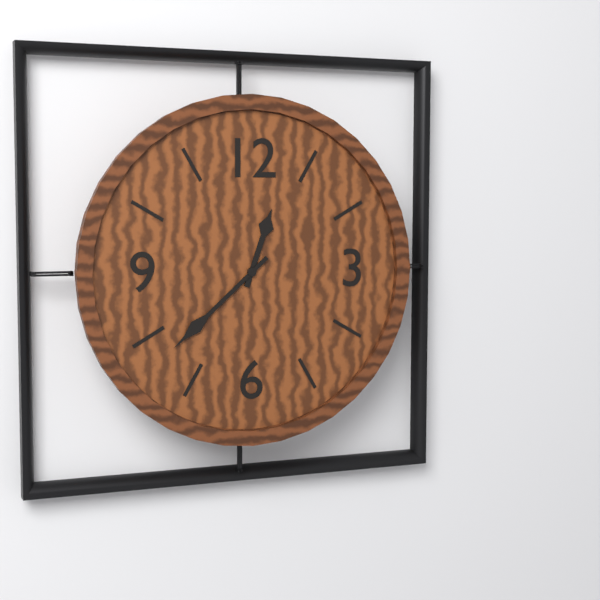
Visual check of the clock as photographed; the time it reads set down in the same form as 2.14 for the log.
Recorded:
12.38
